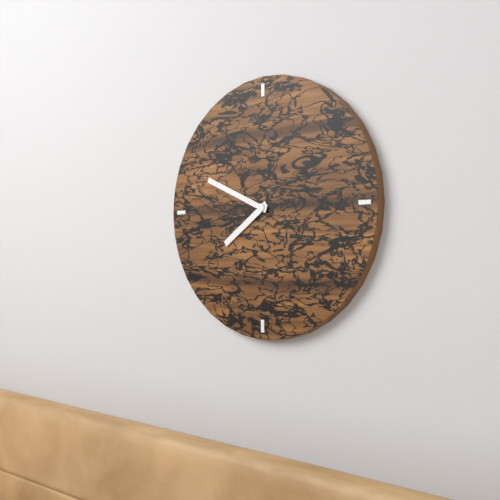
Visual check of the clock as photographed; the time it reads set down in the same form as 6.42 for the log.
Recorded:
7.49
